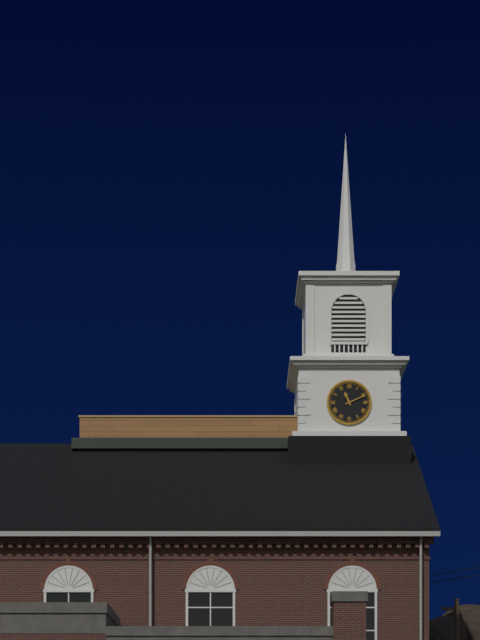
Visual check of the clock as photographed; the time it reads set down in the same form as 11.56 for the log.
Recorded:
11.11
